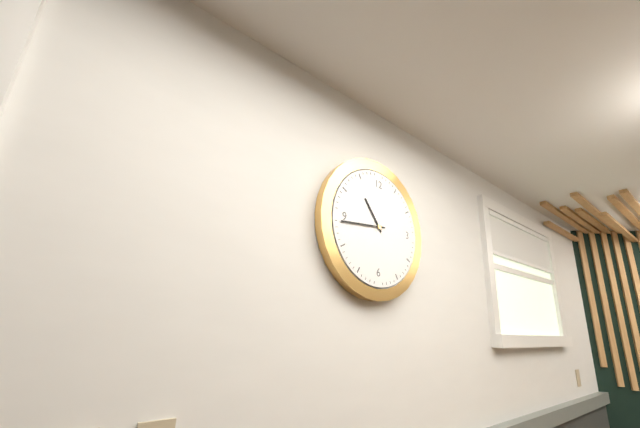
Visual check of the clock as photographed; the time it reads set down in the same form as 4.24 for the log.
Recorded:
10.44
